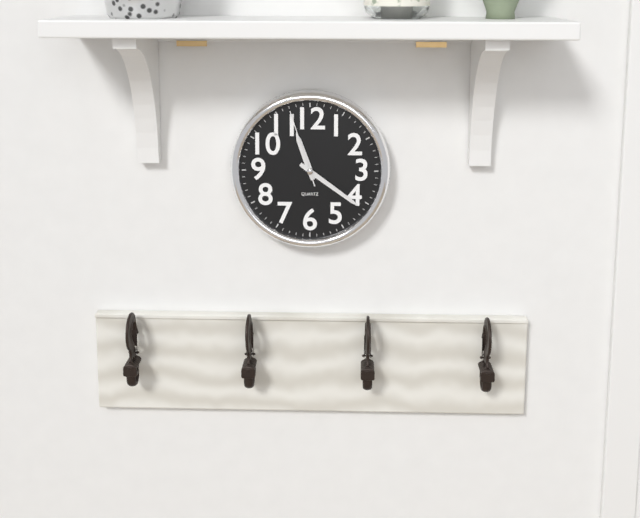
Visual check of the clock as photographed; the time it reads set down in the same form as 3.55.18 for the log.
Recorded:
11.21.57
